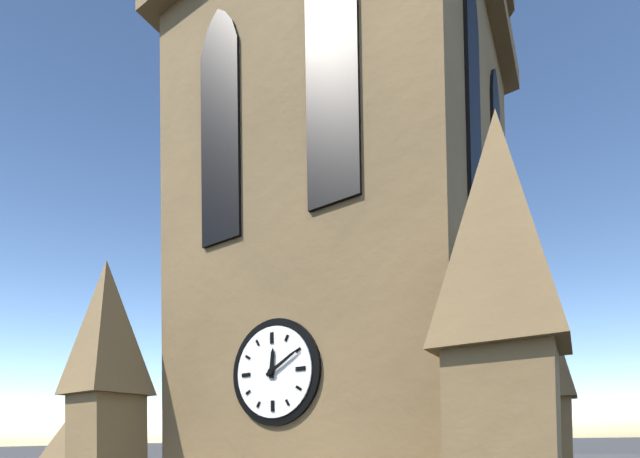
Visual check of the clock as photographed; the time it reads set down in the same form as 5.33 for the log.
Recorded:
12.10
